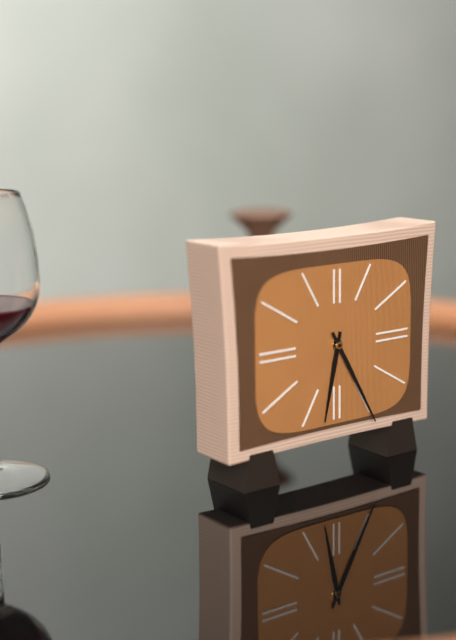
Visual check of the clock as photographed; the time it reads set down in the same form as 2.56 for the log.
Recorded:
6.25
